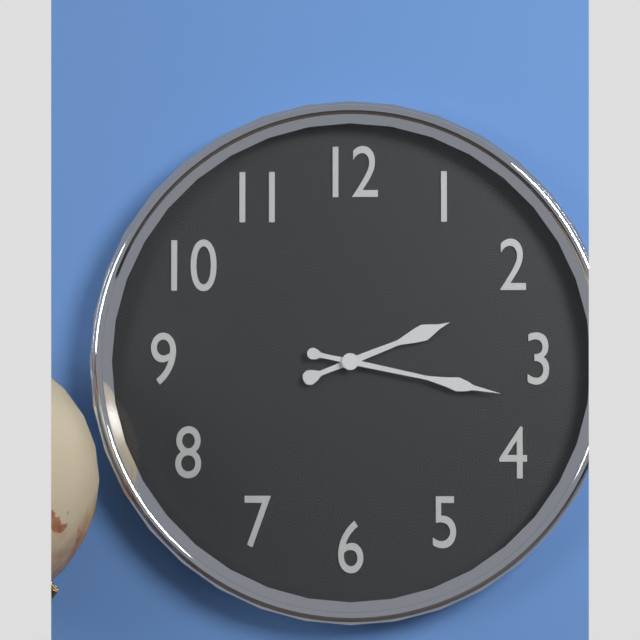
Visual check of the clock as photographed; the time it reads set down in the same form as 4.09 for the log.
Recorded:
2.17
